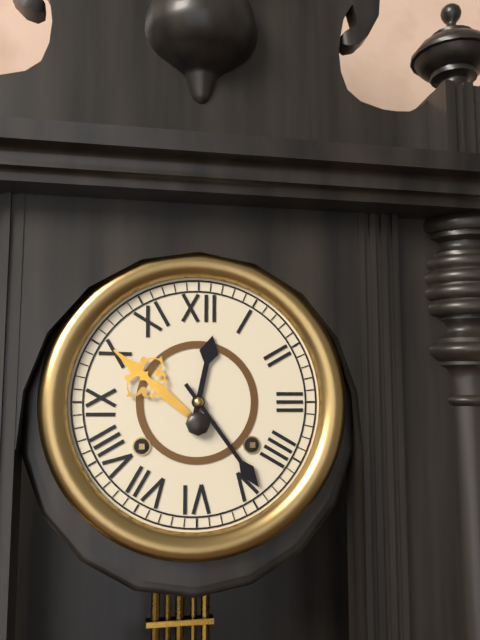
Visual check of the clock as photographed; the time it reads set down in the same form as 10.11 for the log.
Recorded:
12.24
